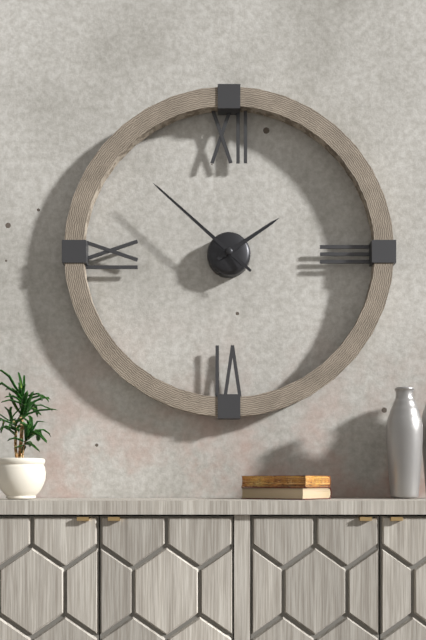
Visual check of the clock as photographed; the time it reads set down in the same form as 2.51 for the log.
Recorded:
1.52
